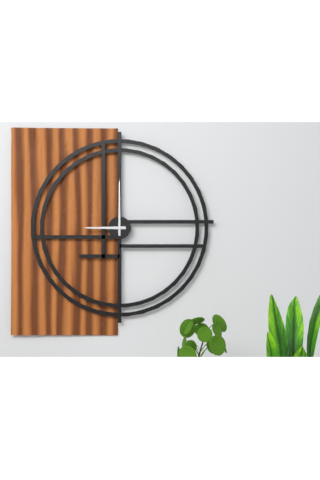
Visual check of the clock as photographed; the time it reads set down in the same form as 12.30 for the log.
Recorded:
9.00
